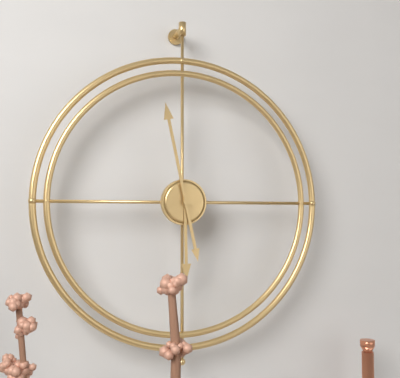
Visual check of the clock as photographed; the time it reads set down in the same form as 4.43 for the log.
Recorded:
5.58
